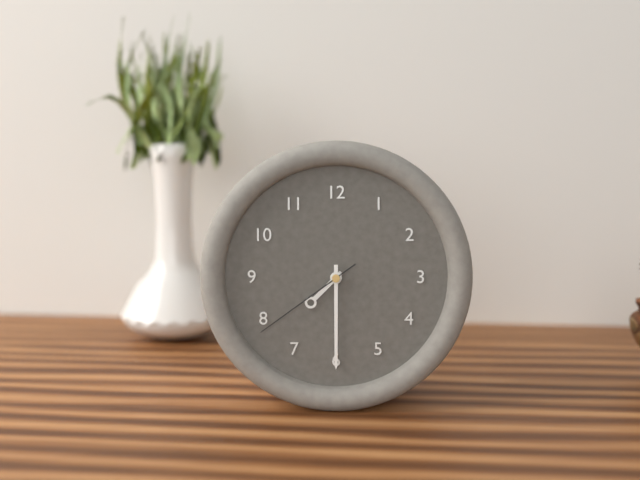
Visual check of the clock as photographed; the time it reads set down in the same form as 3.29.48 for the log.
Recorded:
7.30.39
